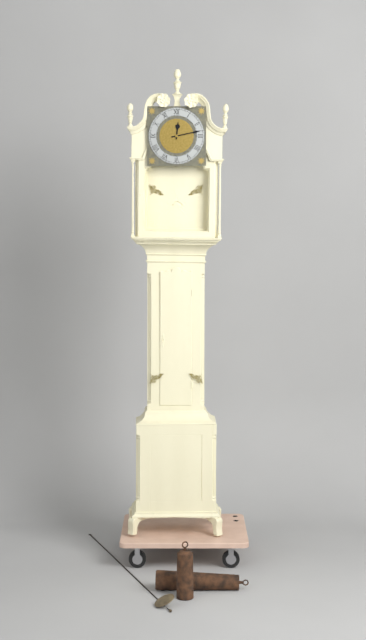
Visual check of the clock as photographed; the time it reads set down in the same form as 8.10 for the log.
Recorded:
12.13
